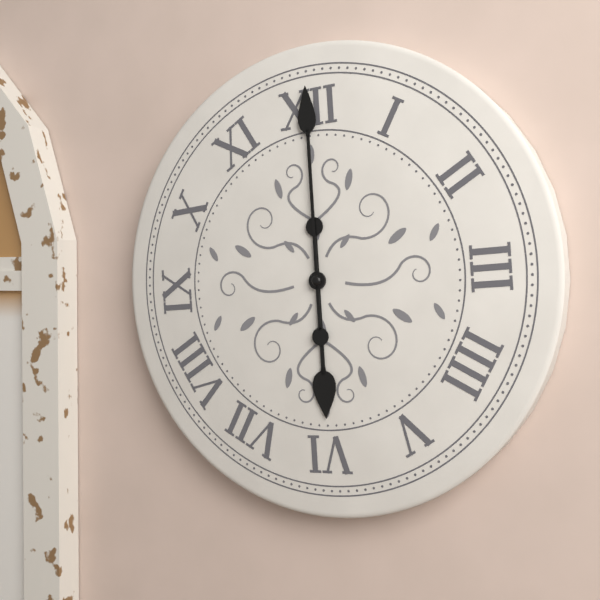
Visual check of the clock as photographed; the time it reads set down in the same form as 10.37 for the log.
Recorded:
6.00
